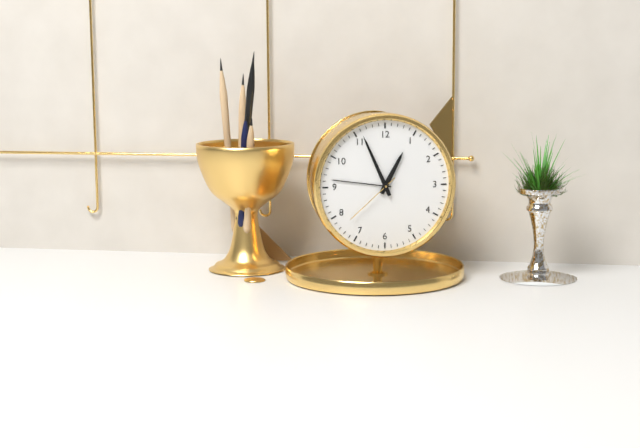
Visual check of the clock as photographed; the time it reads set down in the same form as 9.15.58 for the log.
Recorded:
12.56.38
